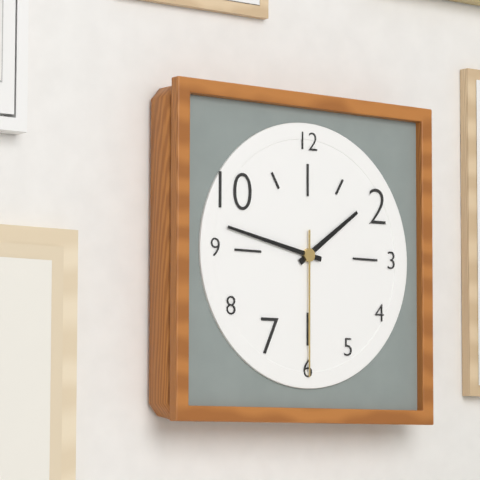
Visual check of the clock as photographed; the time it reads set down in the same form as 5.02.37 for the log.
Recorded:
1.47.30
